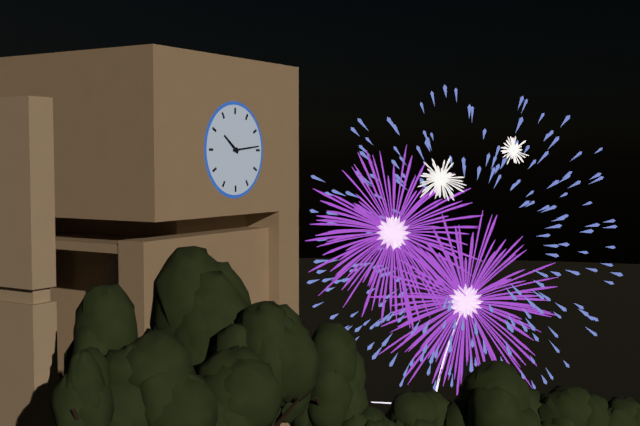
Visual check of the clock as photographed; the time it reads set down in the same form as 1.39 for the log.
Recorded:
10.14
